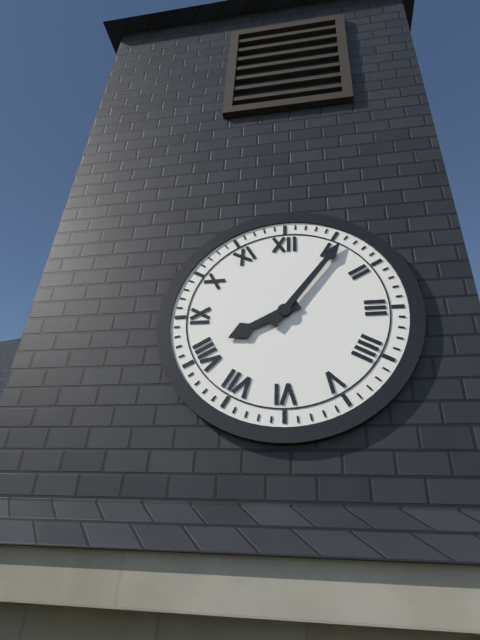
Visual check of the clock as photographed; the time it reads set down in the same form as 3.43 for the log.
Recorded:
8.06
